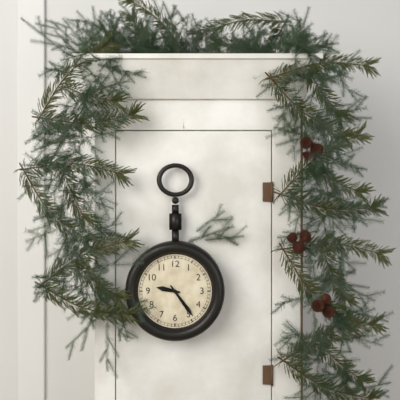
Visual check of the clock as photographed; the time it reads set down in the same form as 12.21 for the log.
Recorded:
9.24
